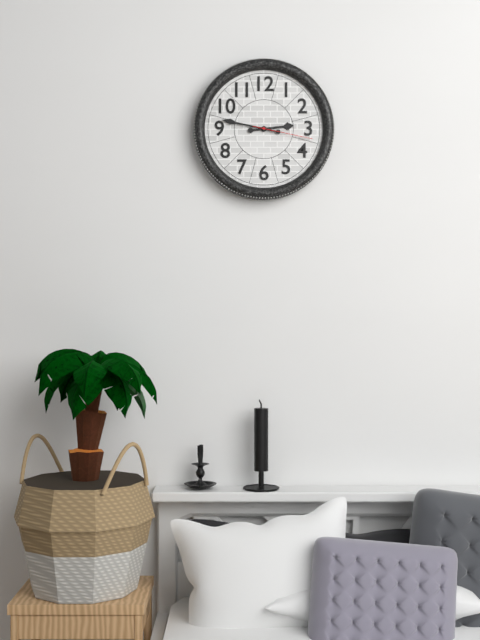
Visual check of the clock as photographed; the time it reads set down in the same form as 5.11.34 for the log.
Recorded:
2.47.17
